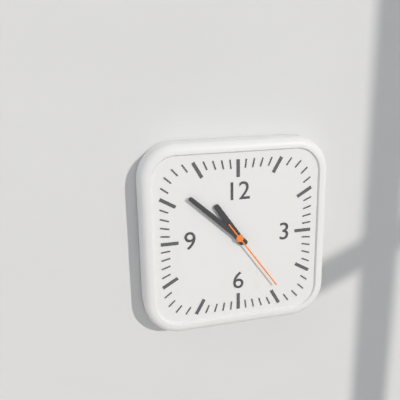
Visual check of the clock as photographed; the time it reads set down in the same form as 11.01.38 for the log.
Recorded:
10.52.24
